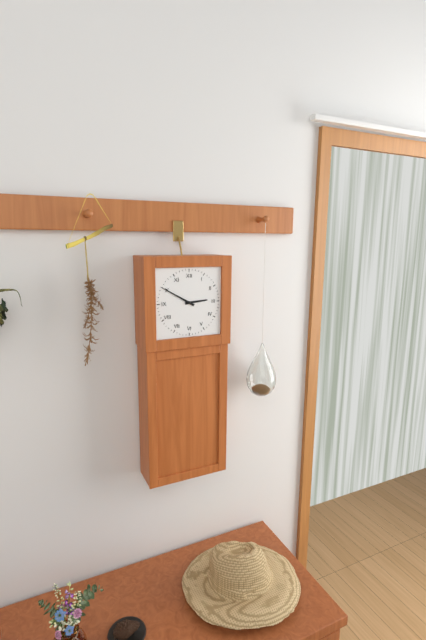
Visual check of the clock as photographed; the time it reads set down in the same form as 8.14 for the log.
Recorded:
2.50
